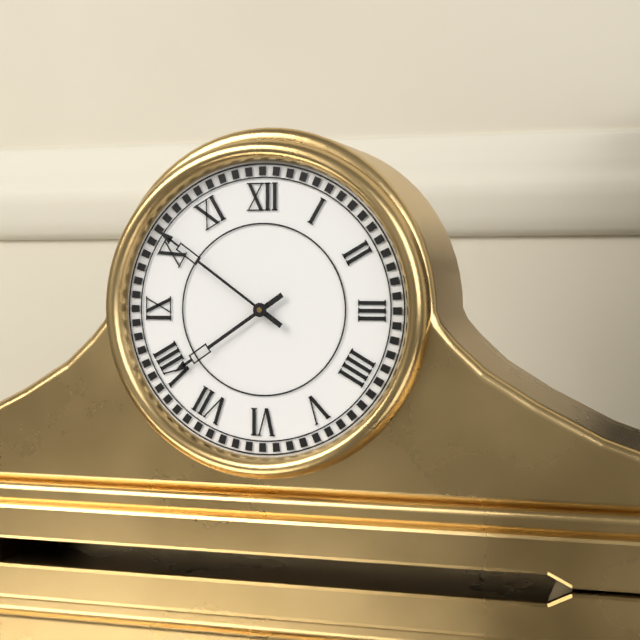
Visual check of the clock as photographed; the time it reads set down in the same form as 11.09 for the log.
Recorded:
7.51
